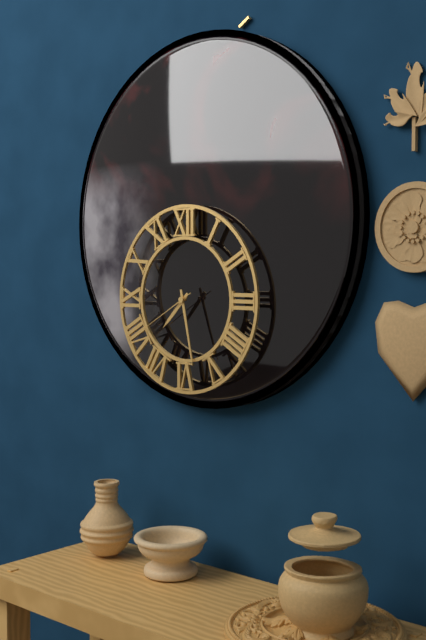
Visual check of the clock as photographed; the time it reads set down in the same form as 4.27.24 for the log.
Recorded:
7.28.40
